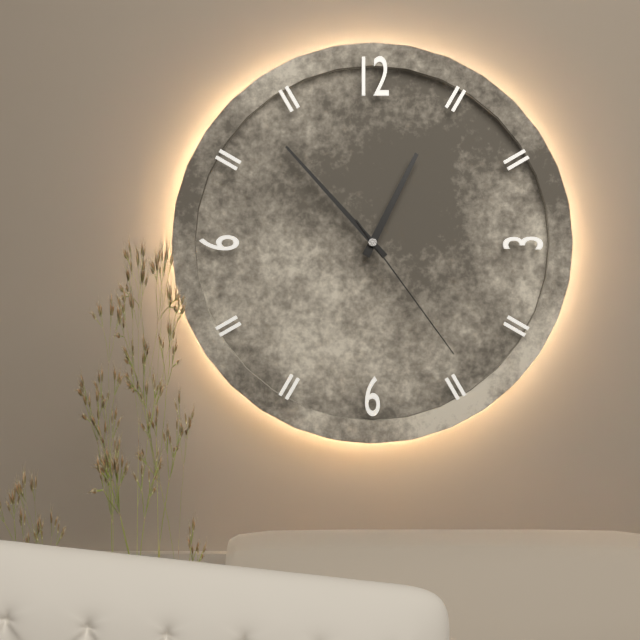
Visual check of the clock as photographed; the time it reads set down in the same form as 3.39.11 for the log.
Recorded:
12.53.24
